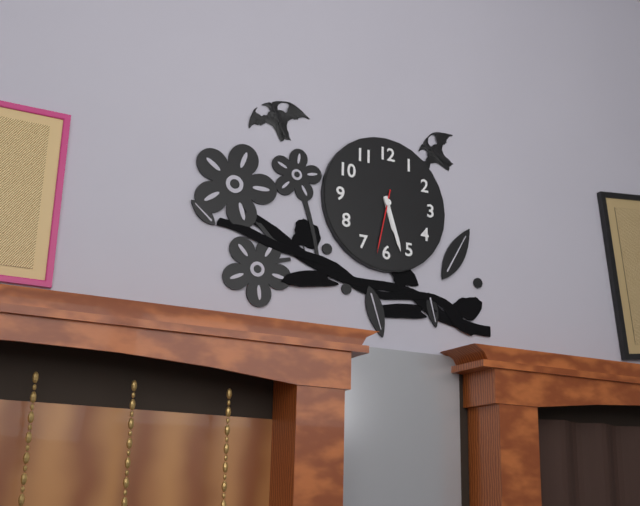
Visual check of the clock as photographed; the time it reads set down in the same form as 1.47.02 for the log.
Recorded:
5.27.32
